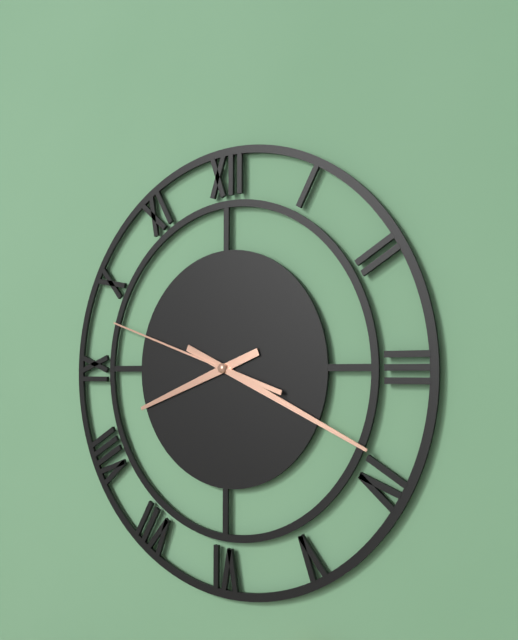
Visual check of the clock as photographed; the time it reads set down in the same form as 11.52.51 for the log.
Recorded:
8.19.48
